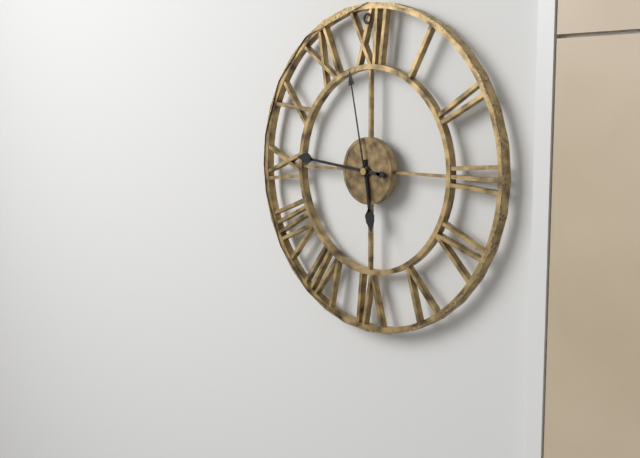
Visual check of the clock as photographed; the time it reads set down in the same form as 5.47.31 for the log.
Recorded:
5.46.58
